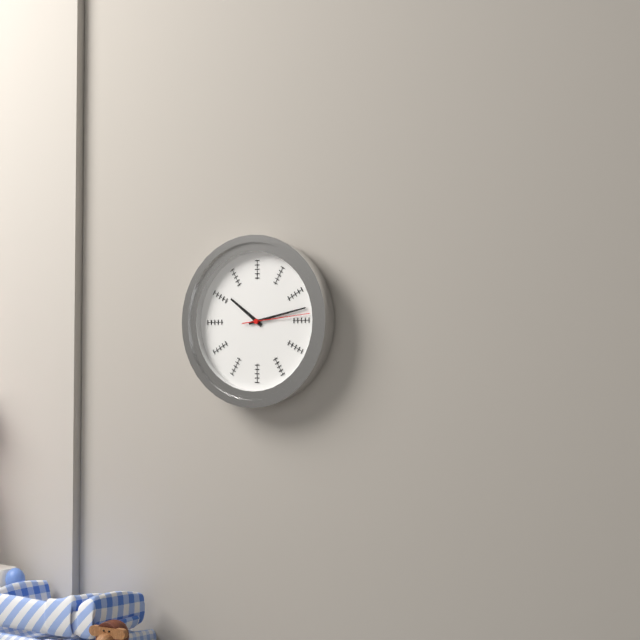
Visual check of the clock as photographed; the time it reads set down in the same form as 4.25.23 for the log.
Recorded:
10.13.14
